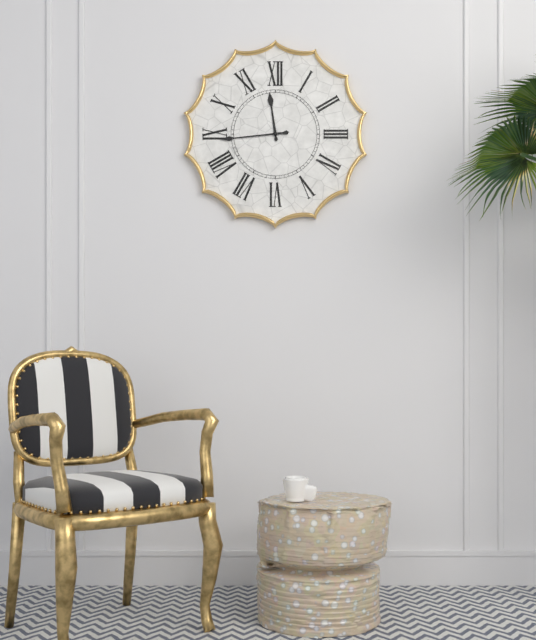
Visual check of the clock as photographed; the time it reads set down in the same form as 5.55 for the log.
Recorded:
11.44
